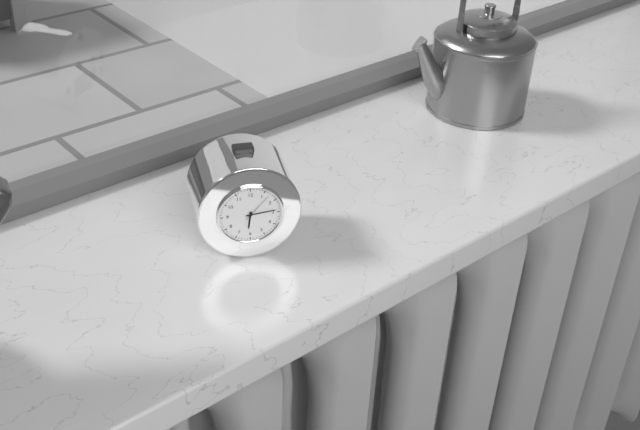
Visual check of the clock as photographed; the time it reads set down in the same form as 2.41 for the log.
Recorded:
6.14
